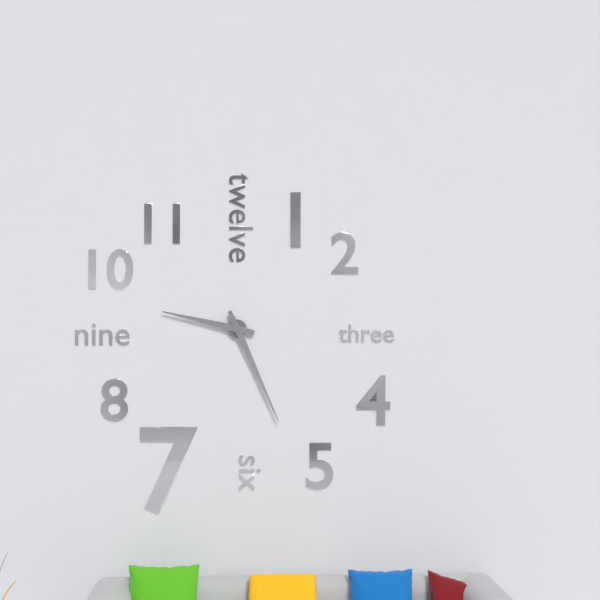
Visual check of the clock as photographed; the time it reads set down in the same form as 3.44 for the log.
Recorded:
9.26
